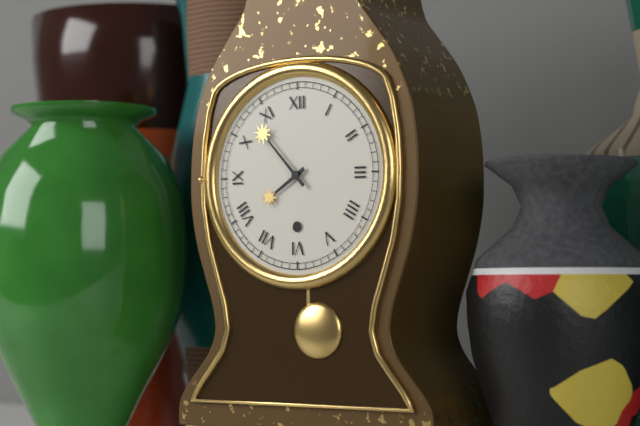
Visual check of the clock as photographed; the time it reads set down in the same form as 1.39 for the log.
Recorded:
7.53
